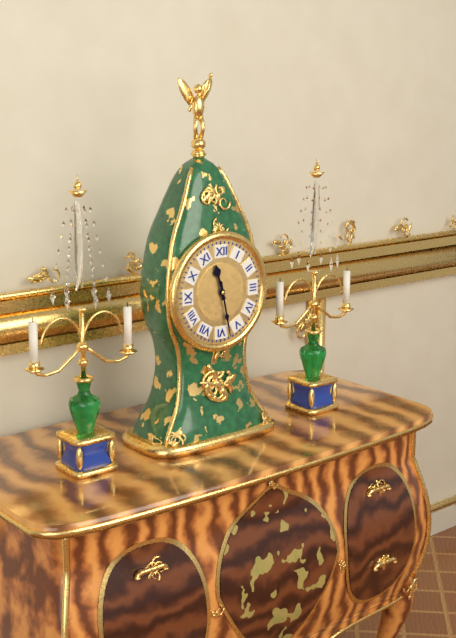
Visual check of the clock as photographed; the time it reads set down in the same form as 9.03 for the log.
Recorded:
11.28
